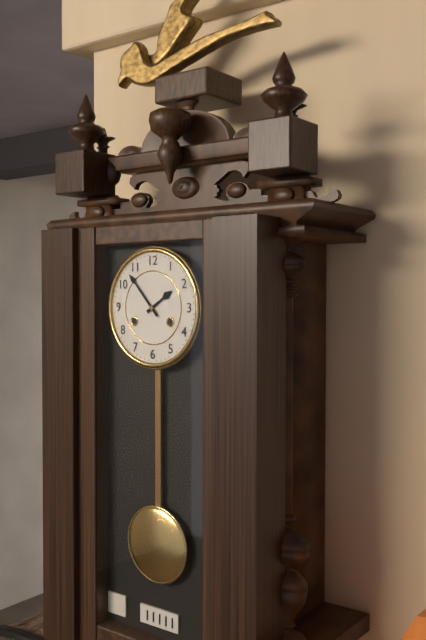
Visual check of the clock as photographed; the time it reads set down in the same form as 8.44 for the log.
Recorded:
1.53
